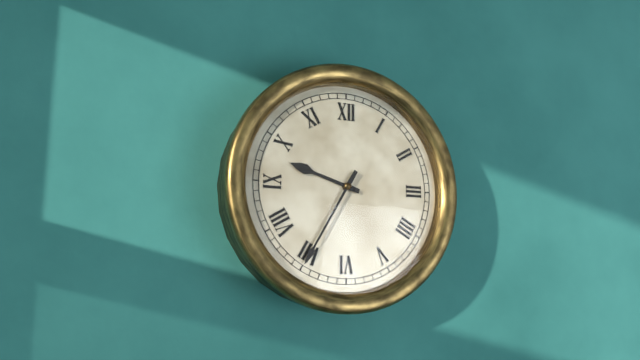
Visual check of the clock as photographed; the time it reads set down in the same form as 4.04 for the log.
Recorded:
9.35
